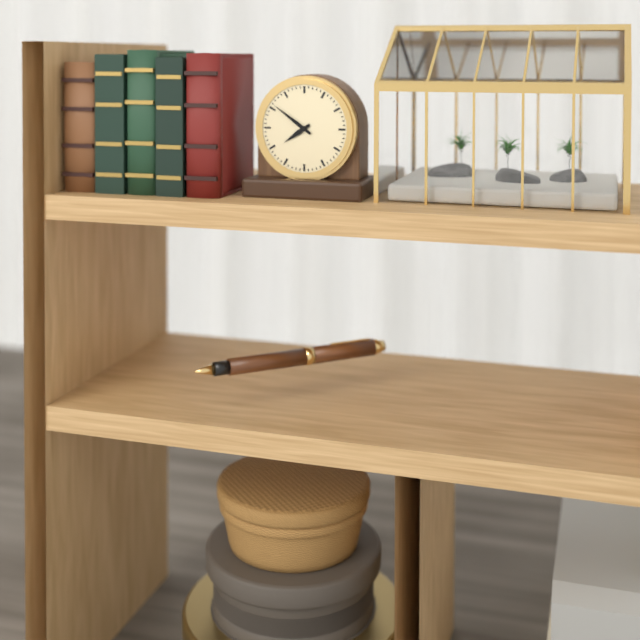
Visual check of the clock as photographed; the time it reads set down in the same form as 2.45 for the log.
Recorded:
7.51
